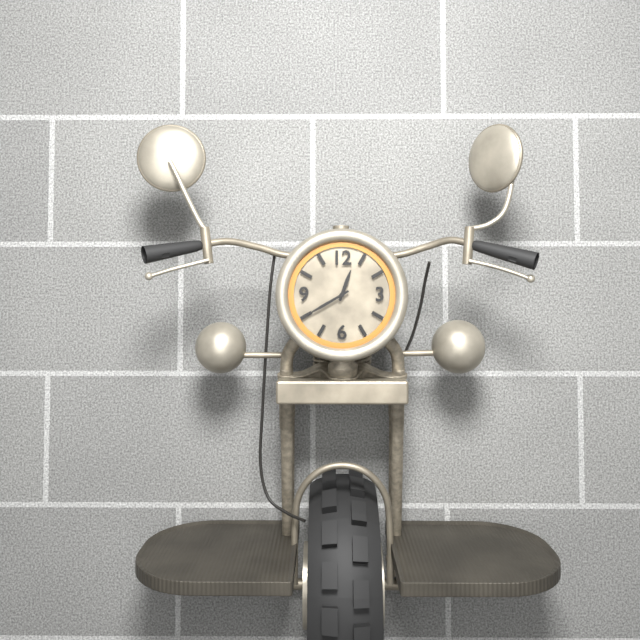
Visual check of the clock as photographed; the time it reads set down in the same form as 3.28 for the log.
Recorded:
12.40
